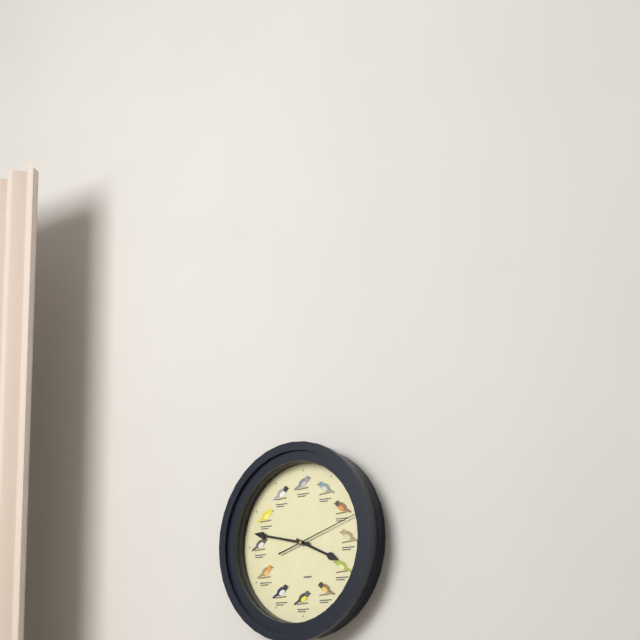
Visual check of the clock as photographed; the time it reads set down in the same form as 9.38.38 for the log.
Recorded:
3.47.12
